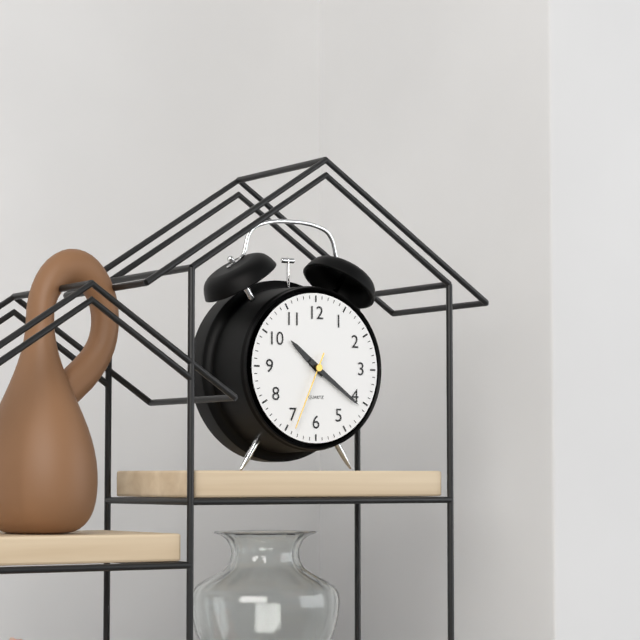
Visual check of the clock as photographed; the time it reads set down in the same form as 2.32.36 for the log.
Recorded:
10.21.34
